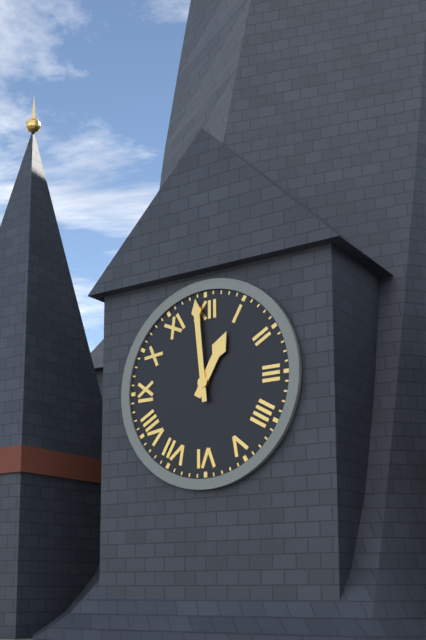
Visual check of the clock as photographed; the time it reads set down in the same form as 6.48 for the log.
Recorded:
12.59
